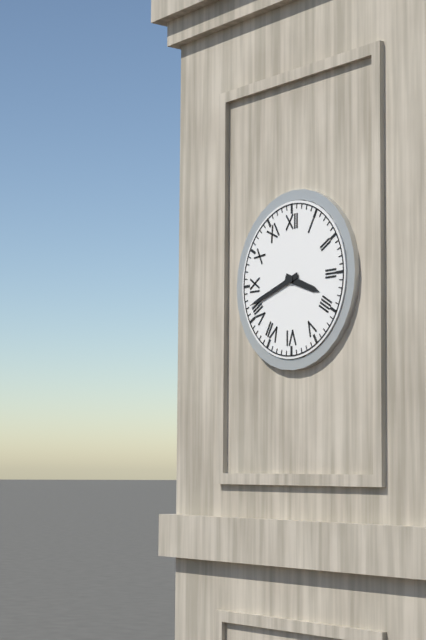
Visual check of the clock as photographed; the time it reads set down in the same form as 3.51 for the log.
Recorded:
3.42
